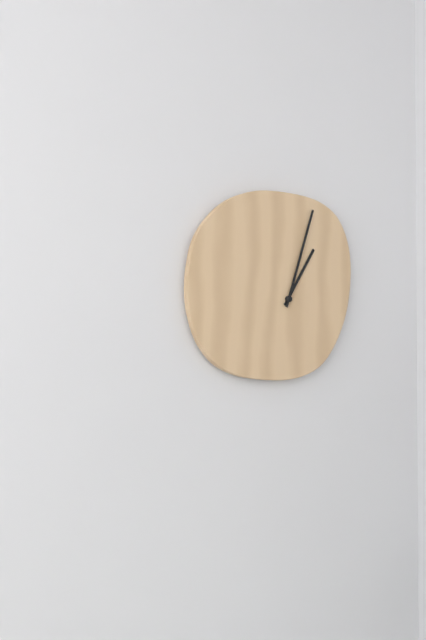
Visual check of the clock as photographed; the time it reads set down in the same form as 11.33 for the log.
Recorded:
1.03
